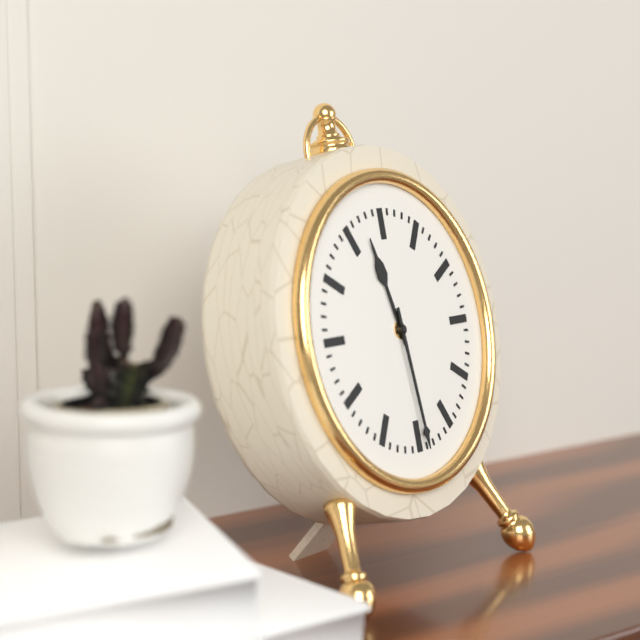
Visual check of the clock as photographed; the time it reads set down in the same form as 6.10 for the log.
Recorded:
11.29
